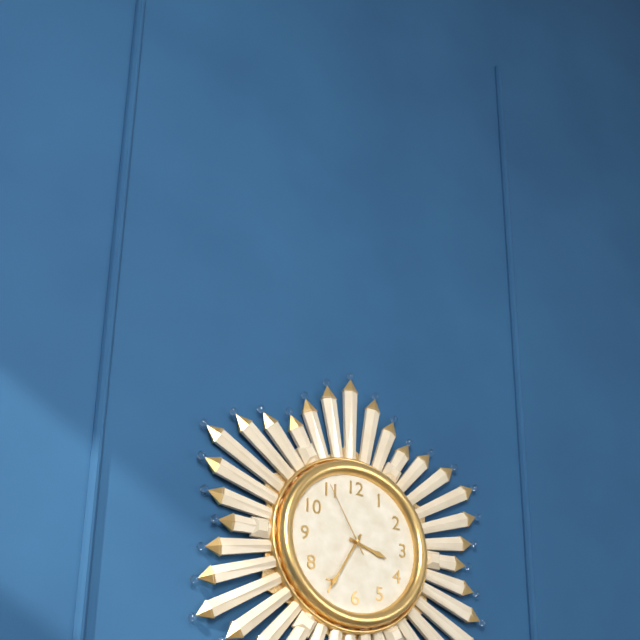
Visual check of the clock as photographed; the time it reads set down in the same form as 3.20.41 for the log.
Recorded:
3.35.55
